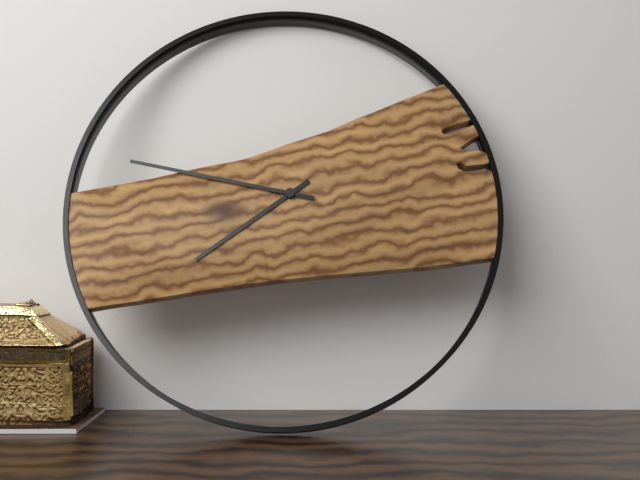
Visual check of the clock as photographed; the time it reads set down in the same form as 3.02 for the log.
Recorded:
7.47
